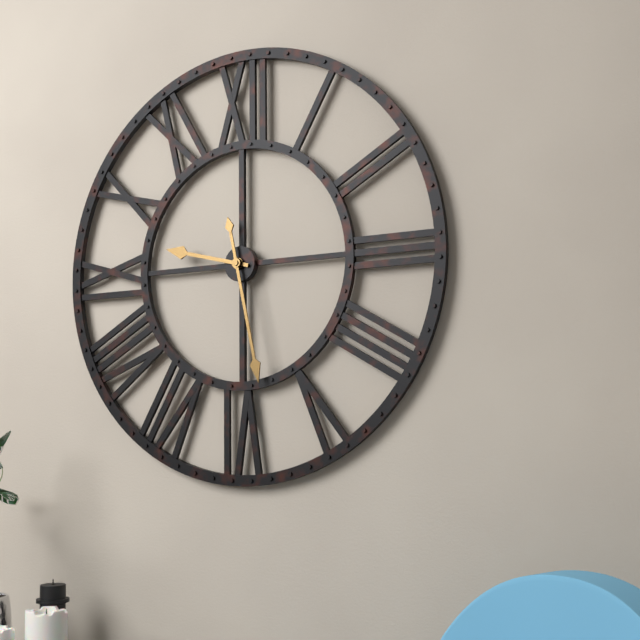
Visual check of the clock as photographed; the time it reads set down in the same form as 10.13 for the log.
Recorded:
9.28
